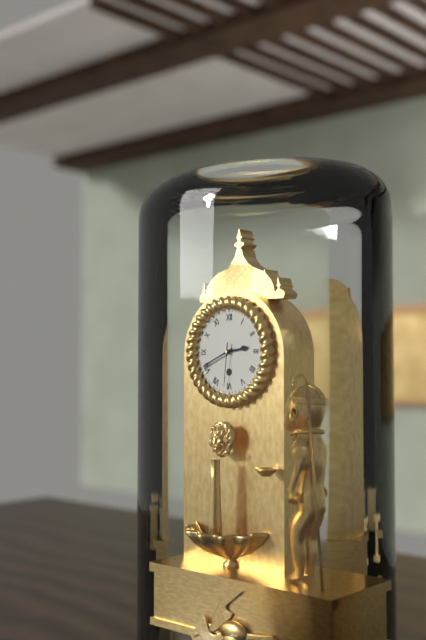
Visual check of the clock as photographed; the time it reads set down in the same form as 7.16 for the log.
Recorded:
2.41
